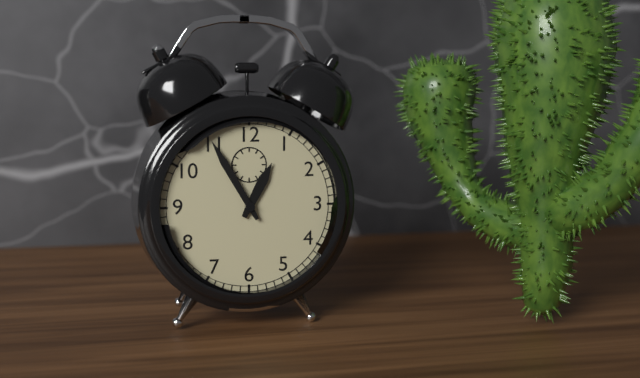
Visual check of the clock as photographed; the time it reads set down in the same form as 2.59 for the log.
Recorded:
12.55
